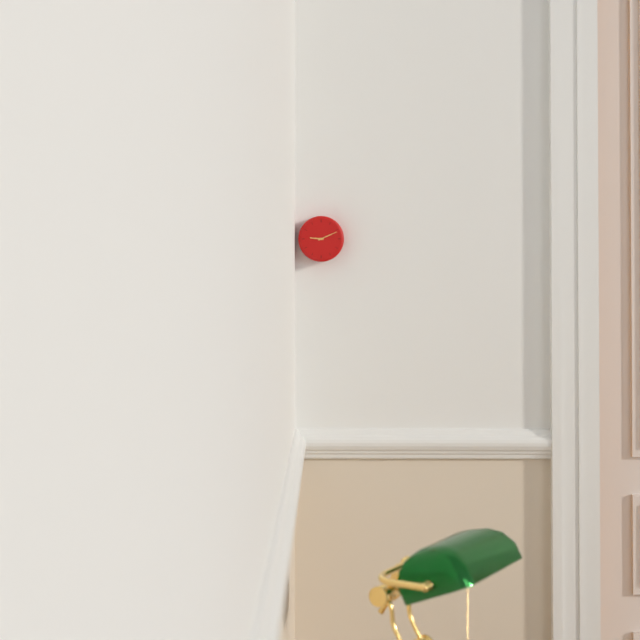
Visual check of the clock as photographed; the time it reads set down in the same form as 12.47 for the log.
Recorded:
9.11
